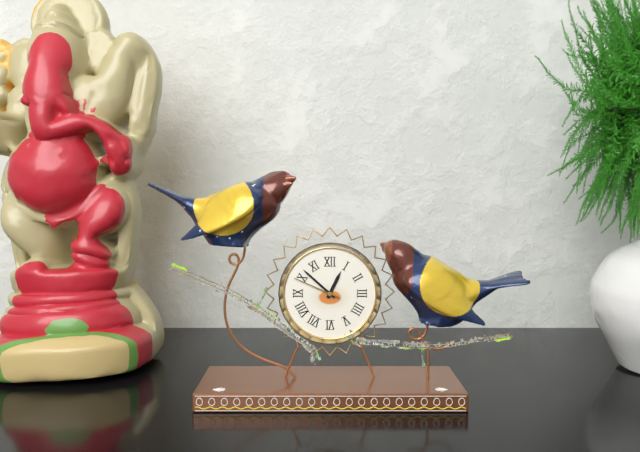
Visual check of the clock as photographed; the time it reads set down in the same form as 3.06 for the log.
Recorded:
12.52
